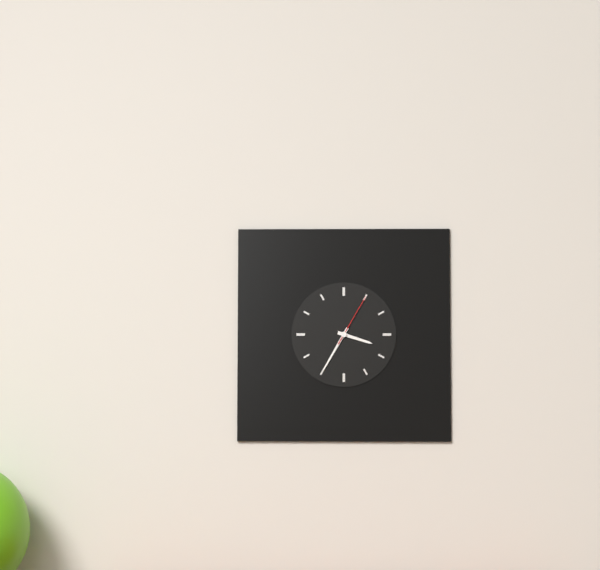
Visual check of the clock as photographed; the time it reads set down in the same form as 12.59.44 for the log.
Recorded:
3.35.05
